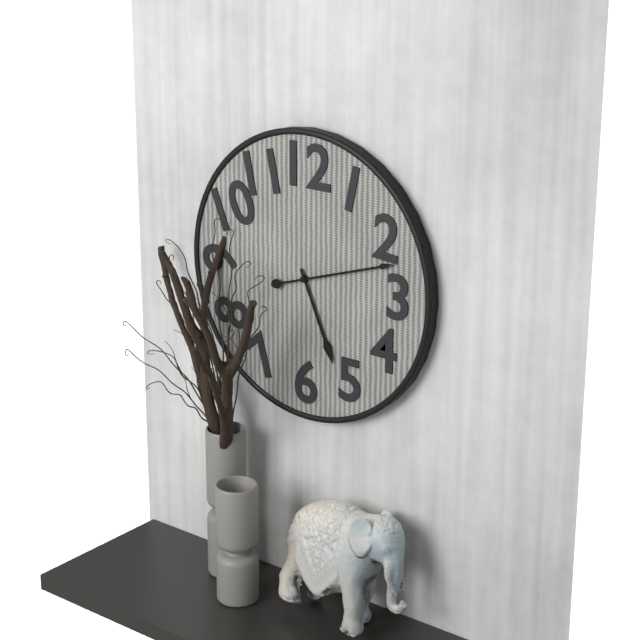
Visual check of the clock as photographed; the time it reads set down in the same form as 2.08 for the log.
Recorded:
5.12
